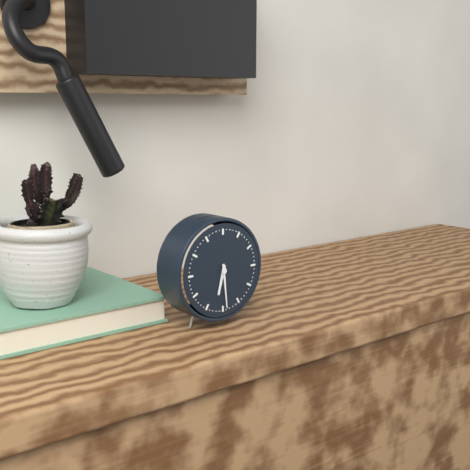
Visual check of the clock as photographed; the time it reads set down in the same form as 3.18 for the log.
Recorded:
6.29
